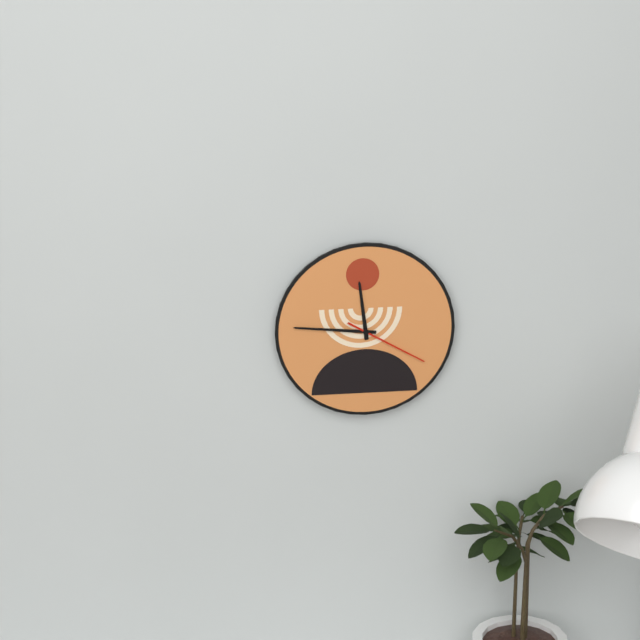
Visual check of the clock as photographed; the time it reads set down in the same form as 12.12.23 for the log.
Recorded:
11.46.20
